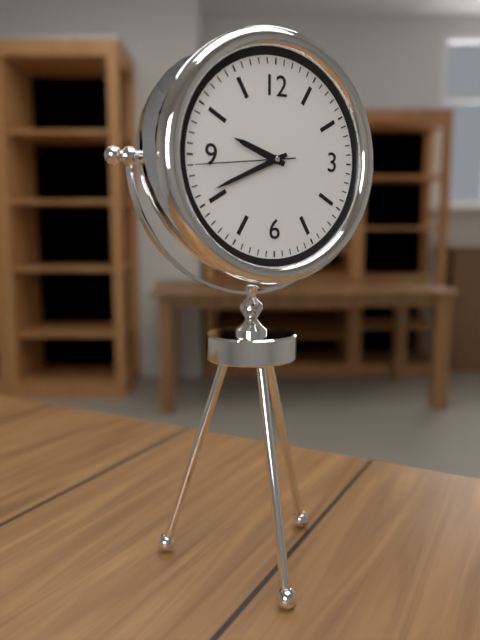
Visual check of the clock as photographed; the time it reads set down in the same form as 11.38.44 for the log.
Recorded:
9.41.44
